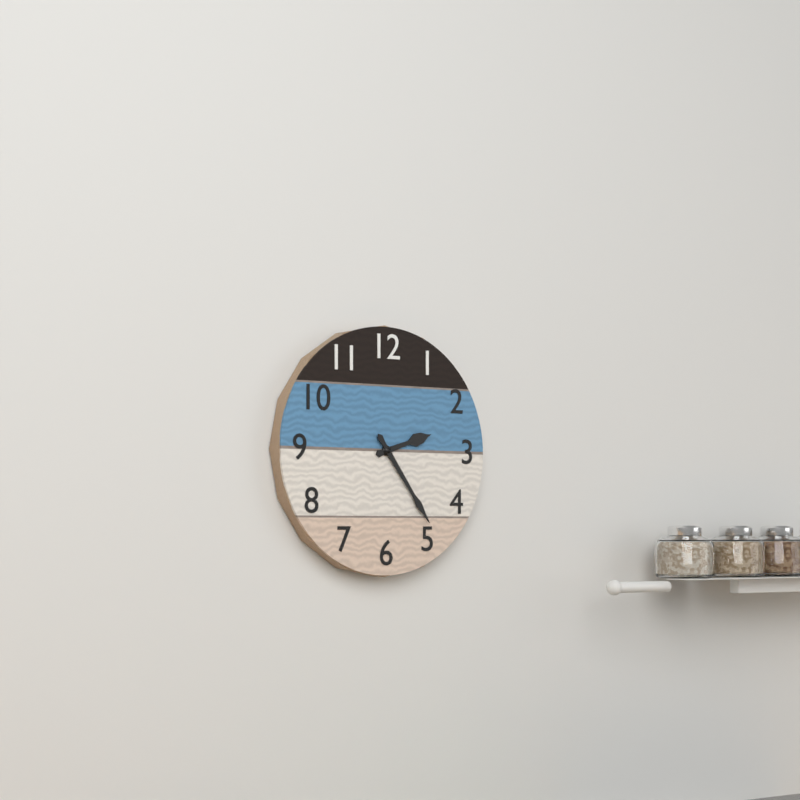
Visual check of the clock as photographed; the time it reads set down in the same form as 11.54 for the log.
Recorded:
2.24
